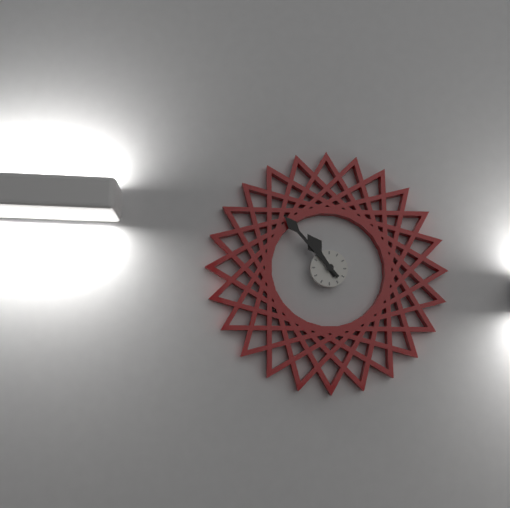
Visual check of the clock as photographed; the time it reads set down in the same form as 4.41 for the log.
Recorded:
10.53
